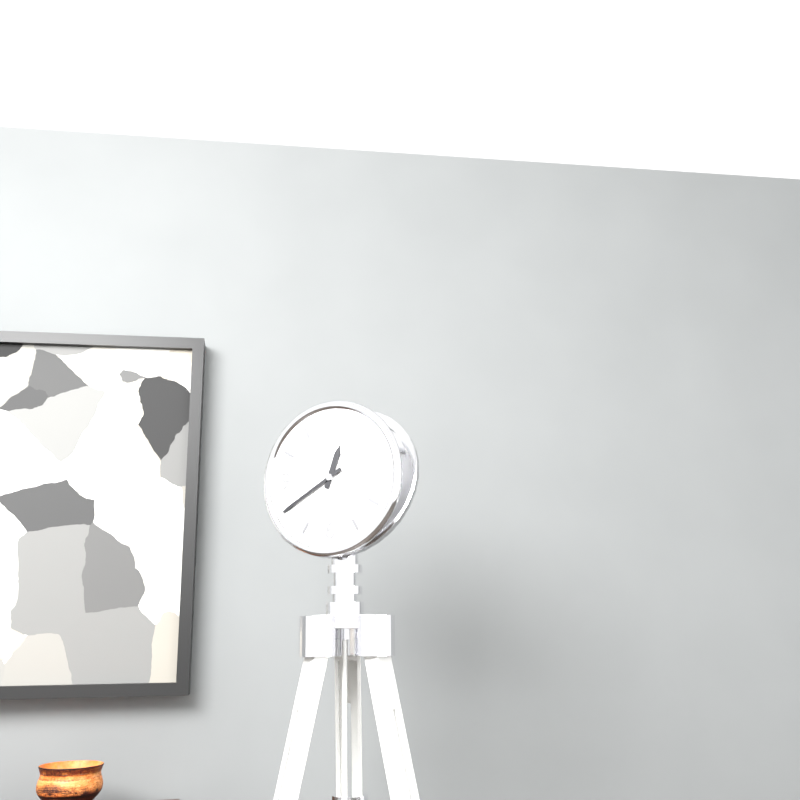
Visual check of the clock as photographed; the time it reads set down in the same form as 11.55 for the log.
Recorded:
12.40
